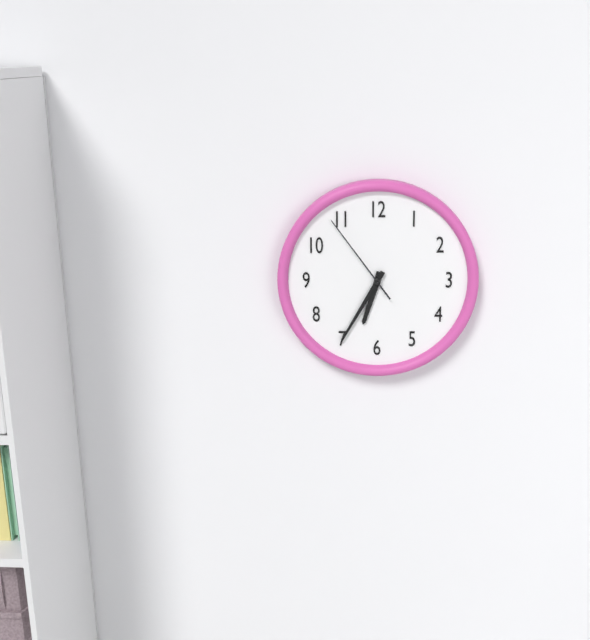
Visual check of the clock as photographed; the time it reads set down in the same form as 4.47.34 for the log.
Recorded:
6.35.54
